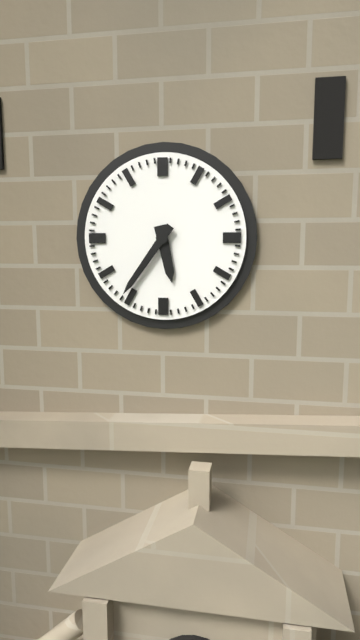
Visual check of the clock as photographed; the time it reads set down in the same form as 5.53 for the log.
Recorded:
5.36
